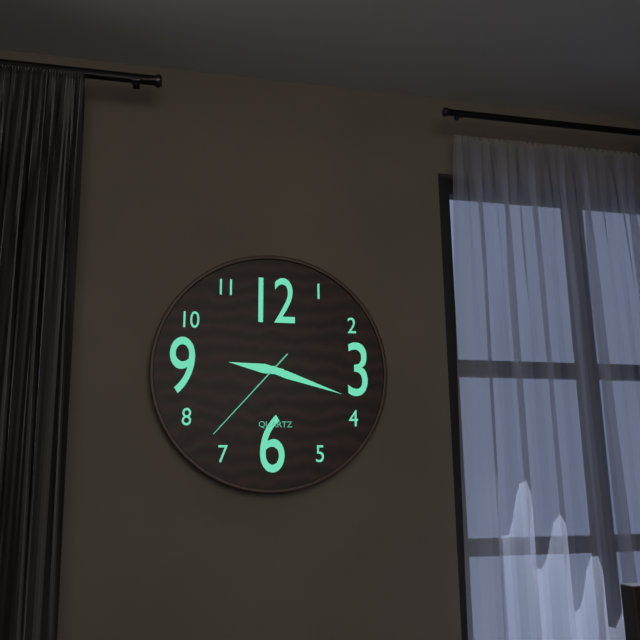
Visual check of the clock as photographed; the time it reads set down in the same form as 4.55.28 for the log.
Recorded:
9.18.37
